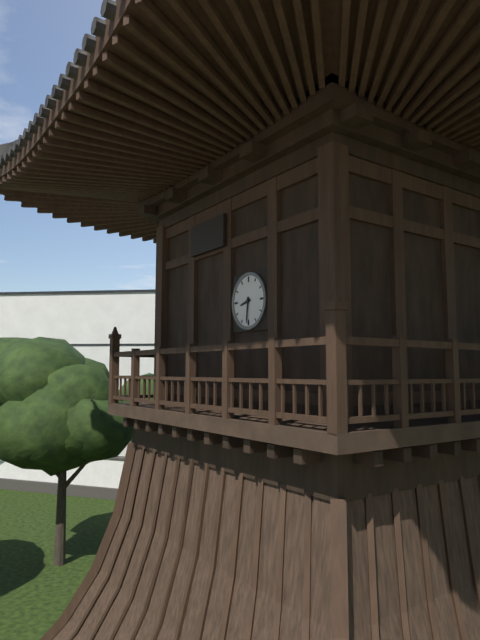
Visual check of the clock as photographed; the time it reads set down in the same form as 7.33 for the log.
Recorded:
8.31
